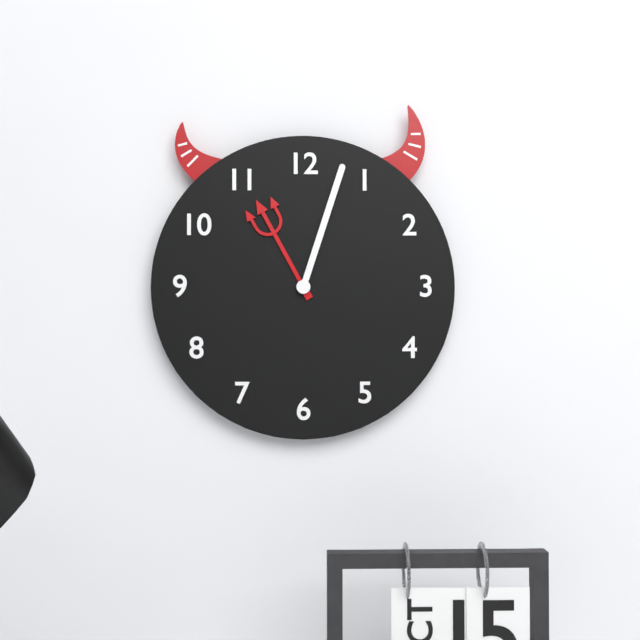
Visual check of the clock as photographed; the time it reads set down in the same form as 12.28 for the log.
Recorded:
11.03
